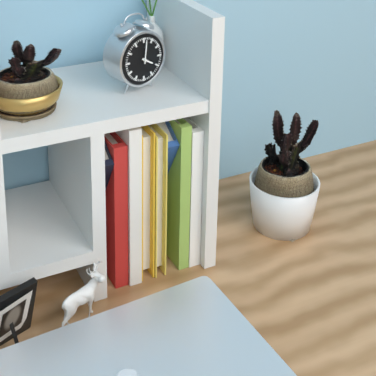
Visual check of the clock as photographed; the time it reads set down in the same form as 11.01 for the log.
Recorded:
4.01
